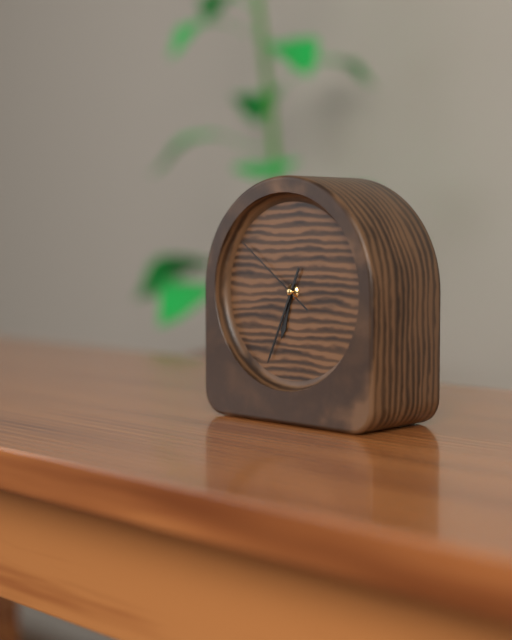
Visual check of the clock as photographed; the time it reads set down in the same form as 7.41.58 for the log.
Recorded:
6.34.51
